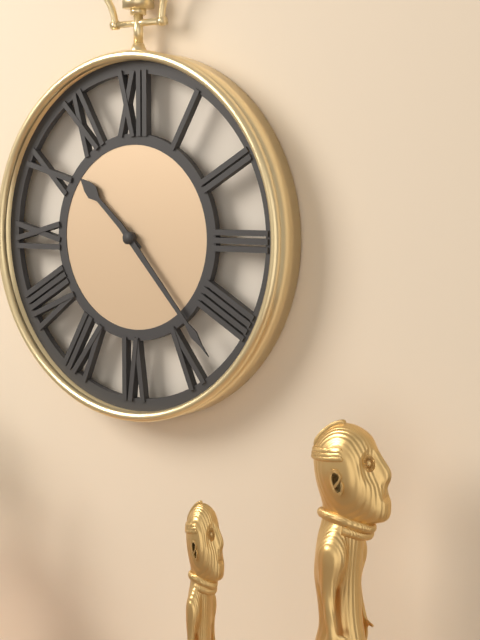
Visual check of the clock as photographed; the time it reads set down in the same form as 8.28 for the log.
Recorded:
10.23
